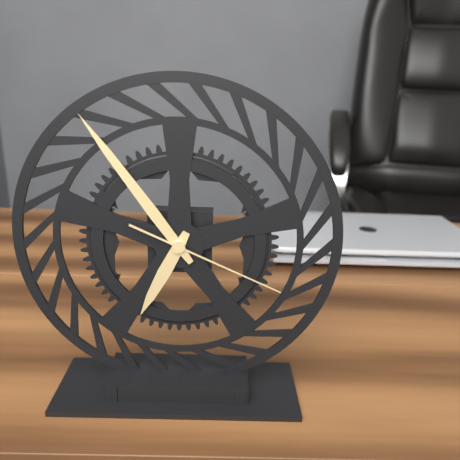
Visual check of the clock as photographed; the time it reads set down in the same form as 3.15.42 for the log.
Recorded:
6.54.19
